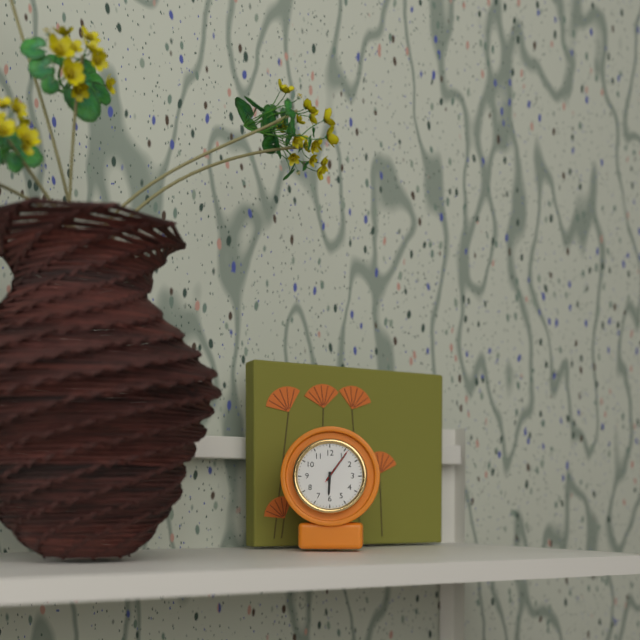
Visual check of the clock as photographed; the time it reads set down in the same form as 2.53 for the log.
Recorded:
6.06
